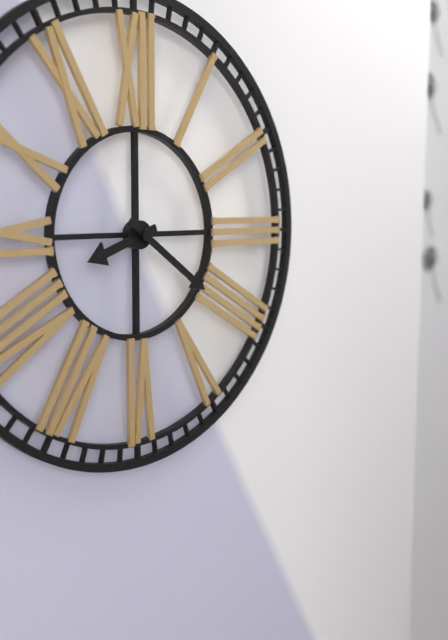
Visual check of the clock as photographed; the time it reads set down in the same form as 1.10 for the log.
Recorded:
8.21
